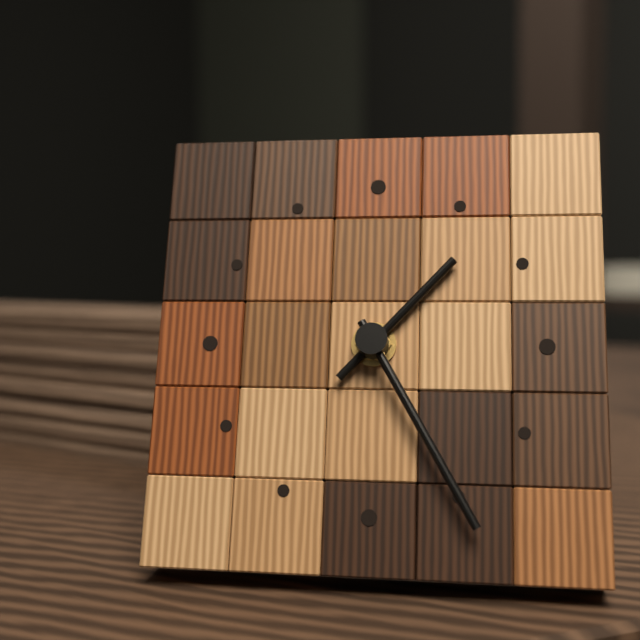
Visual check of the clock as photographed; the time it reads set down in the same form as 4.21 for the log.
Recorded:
1.25
